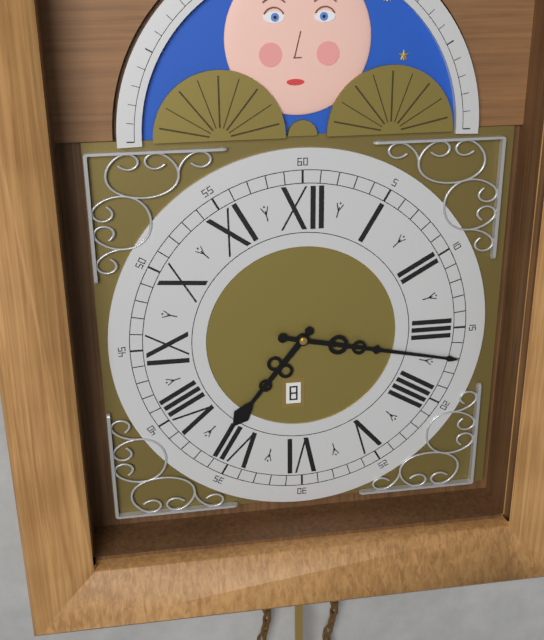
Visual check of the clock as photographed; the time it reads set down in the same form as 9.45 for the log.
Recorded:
7.17
